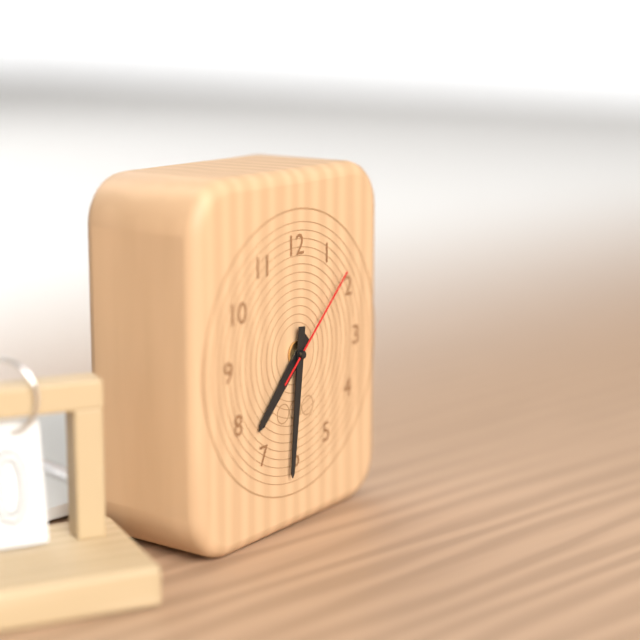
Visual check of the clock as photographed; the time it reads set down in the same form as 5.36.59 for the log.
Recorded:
7.31.08
